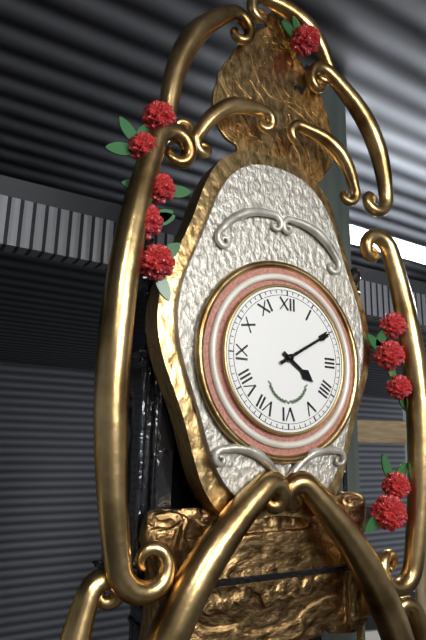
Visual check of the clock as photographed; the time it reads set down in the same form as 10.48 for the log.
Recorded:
4.10
